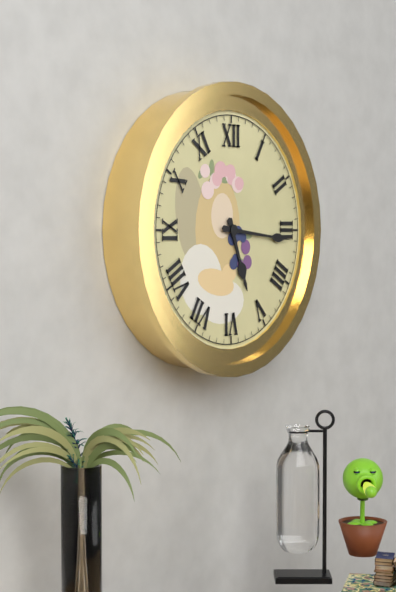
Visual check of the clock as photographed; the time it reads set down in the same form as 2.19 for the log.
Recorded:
5.16
